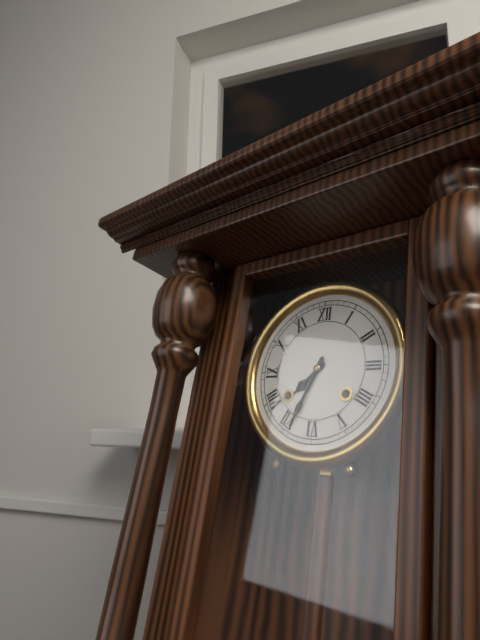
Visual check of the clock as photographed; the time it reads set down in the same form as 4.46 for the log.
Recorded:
7.34
